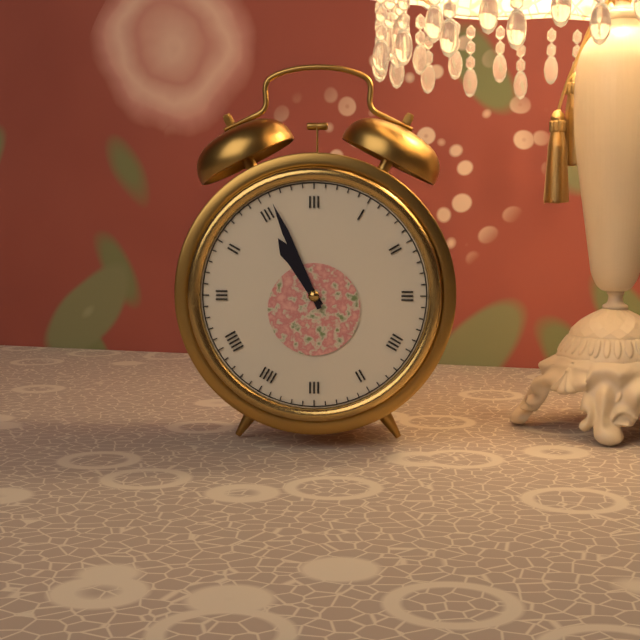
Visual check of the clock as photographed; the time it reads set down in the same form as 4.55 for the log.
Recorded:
10.56
